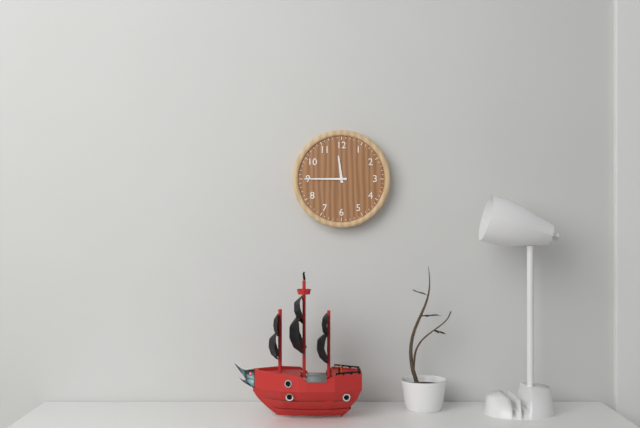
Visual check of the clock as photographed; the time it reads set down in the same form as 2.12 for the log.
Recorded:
11.45
